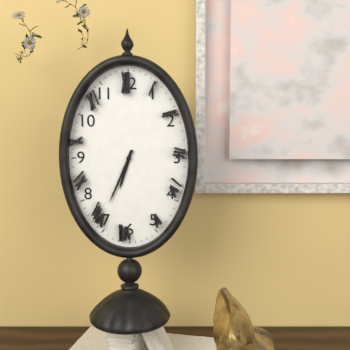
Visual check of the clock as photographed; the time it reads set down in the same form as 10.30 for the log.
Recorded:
6.34
